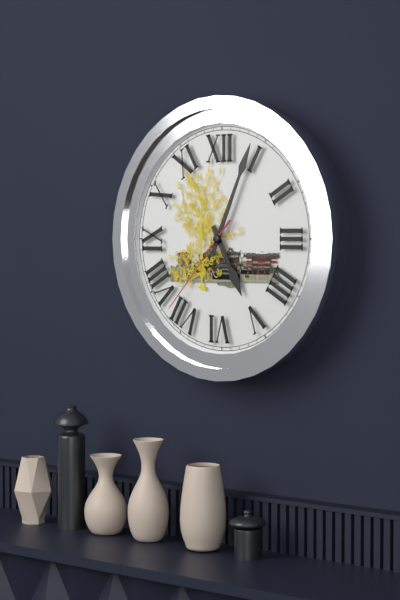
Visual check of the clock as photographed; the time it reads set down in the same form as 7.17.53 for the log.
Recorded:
5.04.37
